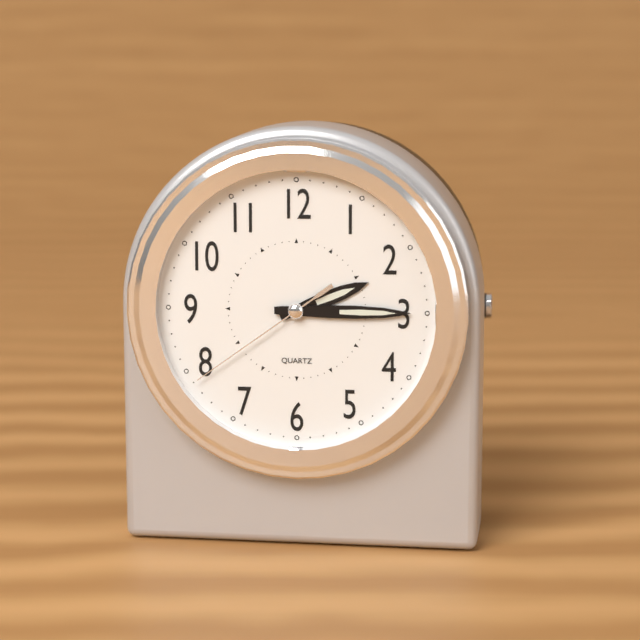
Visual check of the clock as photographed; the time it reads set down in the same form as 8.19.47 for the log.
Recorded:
2.15.39
